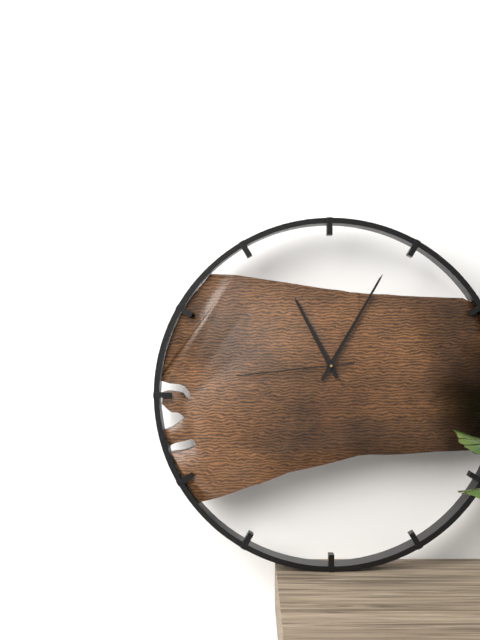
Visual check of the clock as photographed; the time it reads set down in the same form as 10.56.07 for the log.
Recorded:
11.05.44
